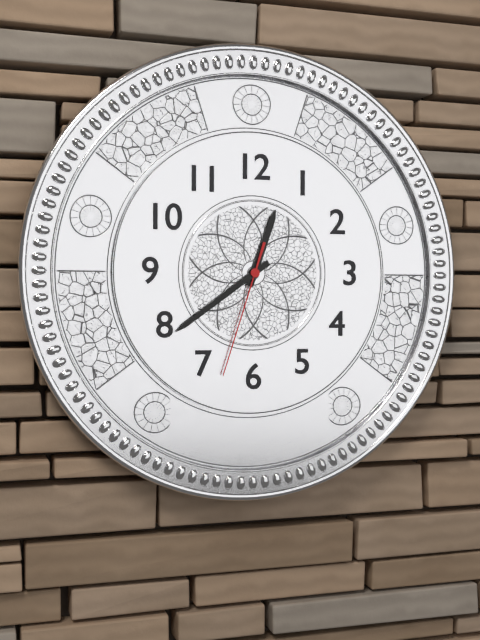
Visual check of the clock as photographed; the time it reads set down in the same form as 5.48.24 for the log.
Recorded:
12.39.33
